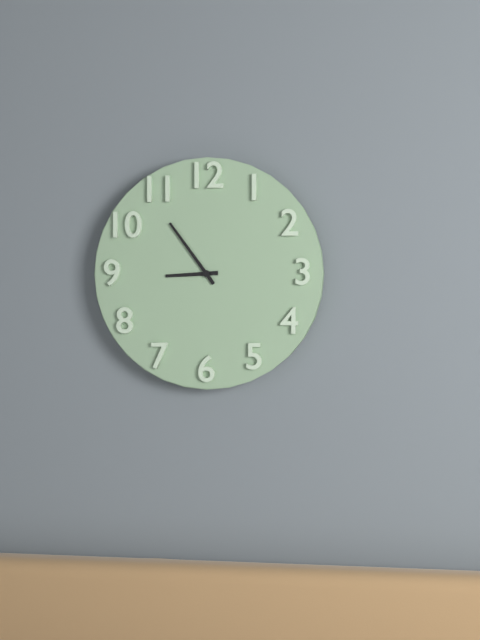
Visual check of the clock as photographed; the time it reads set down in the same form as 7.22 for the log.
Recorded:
8.54
